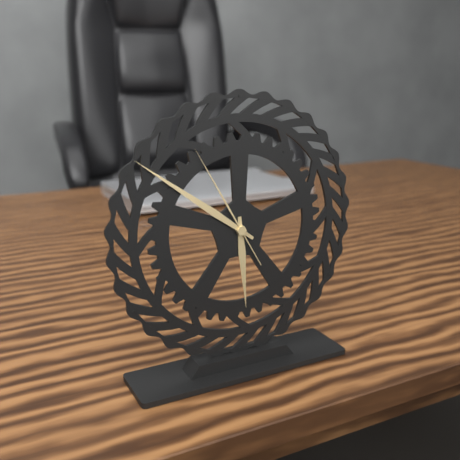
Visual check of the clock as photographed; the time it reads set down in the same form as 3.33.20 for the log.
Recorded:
5.51.55
